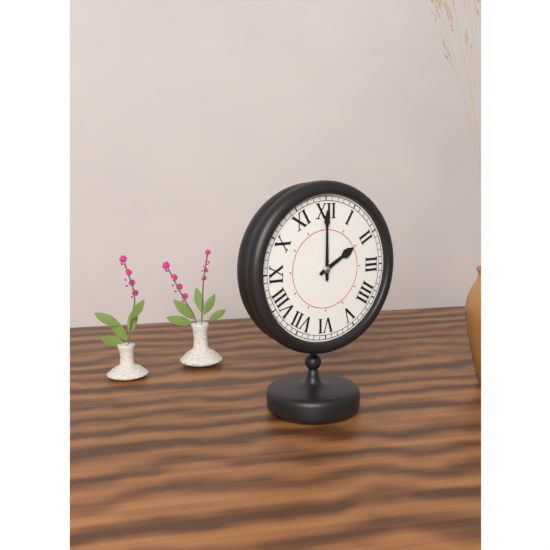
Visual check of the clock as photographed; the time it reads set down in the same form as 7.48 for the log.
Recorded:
2.00
